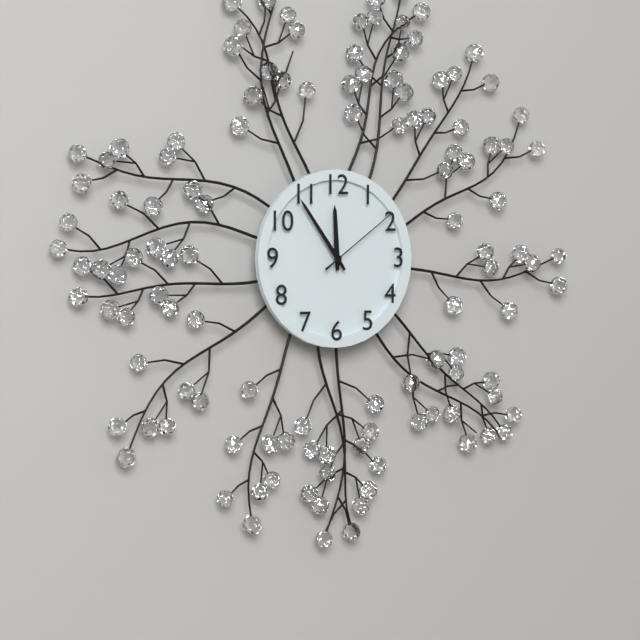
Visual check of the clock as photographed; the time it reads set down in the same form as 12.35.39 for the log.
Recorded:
11.54.09
